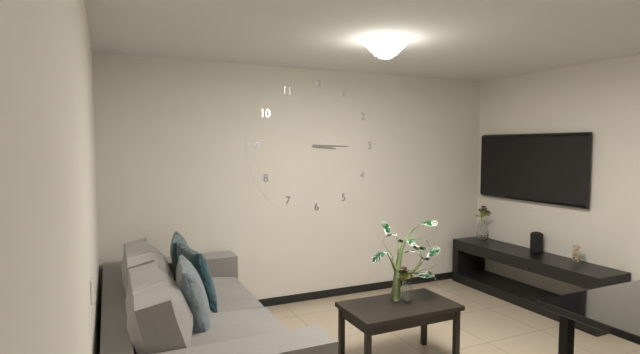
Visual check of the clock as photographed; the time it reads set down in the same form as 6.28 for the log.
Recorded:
3.15
